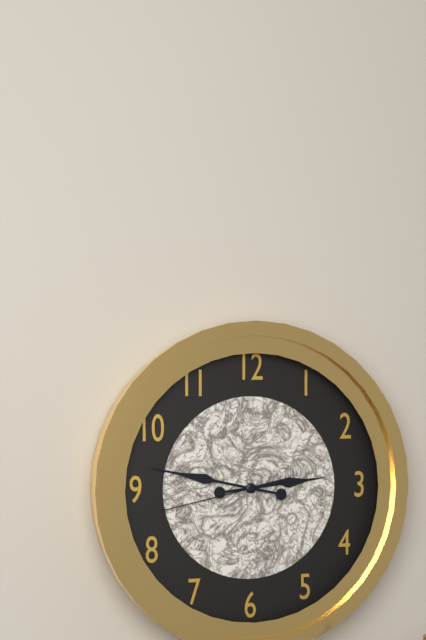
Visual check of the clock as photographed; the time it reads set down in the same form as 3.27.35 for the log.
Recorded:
2.47.43
